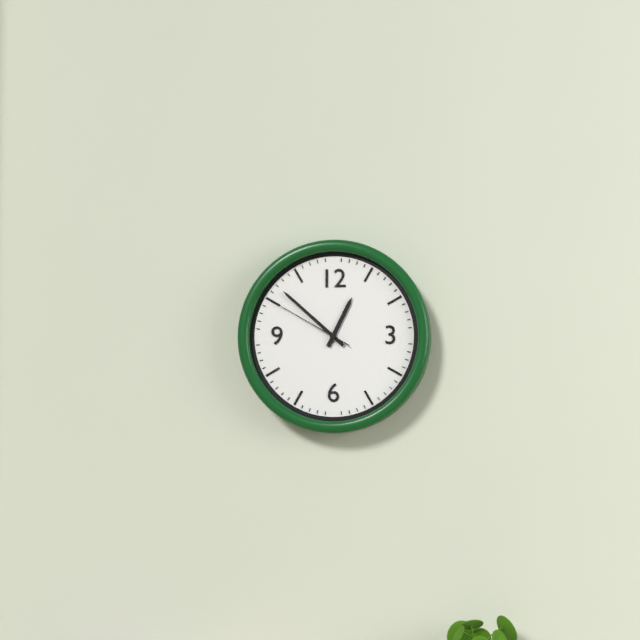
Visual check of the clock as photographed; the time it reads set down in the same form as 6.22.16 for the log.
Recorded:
12.52.50
